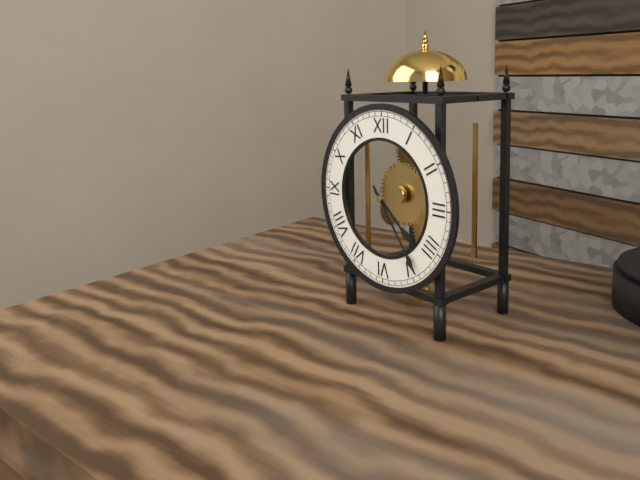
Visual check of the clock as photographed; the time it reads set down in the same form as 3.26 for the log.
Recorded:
4.24
